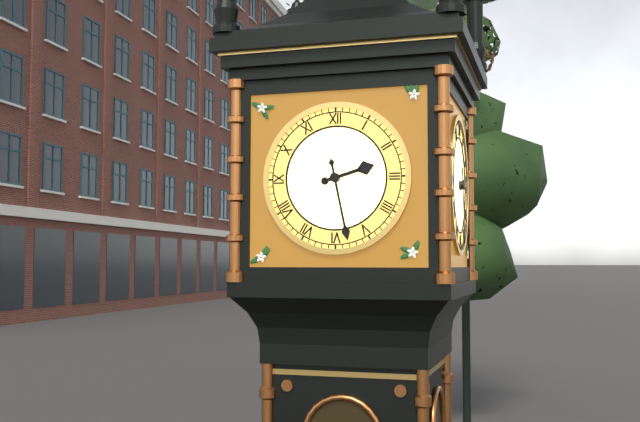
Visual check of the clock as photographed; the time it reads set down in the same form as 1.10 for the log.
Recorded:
2.28
